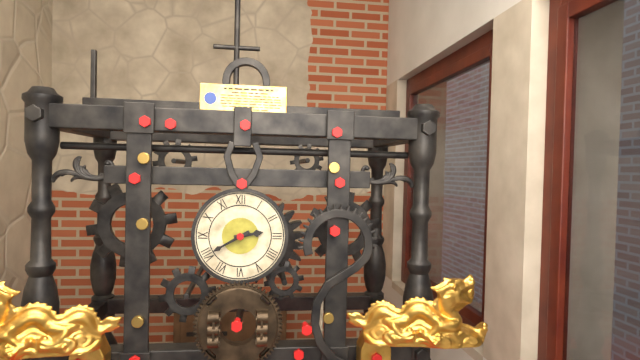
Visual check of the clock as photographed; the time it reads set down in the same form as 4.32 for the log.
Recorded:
2.40
